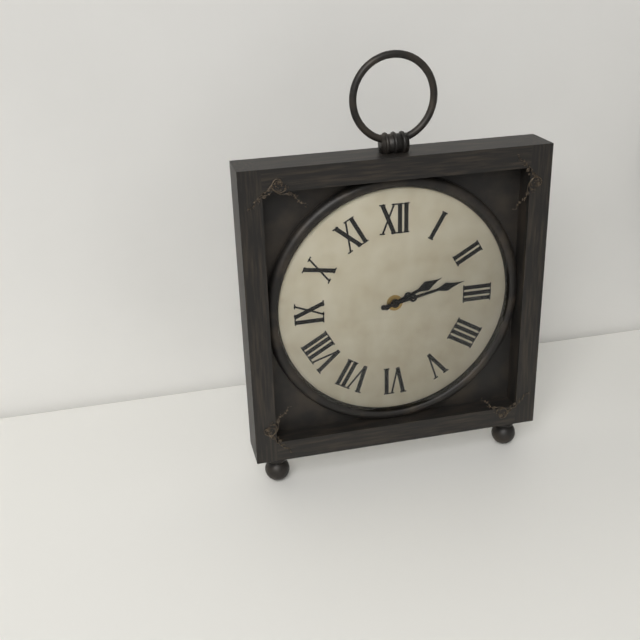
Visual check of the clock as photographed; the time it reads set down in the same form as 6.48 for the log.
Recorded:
2.13
